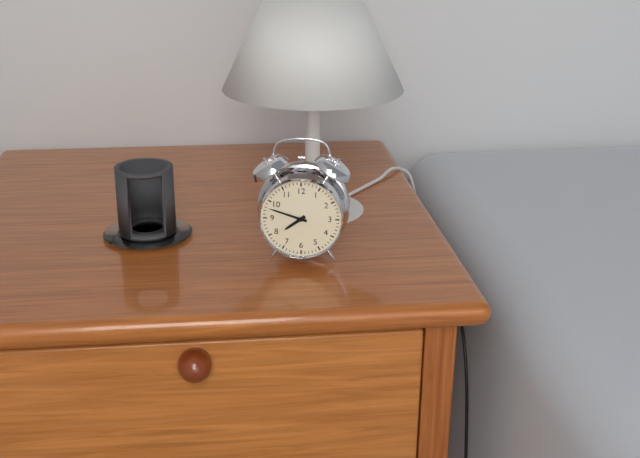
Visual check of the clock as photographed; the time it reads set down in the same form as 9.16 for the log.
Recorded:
7.48
